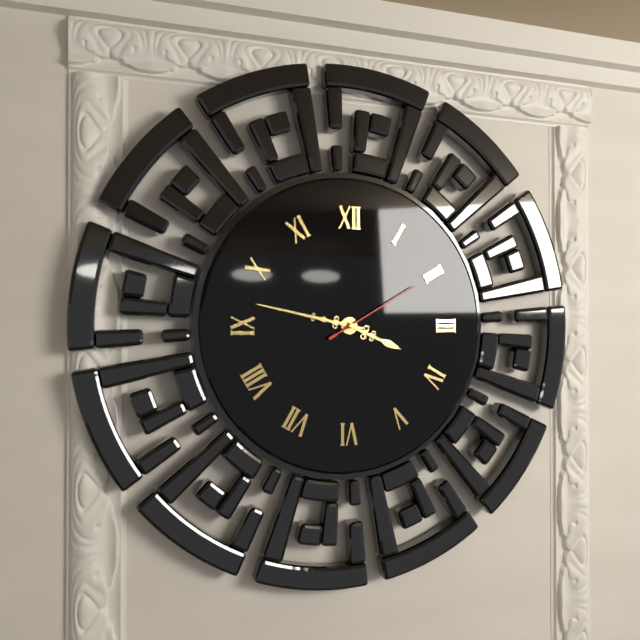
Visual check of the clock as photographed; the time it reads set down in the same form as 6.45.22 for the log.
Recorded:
3.47.10
